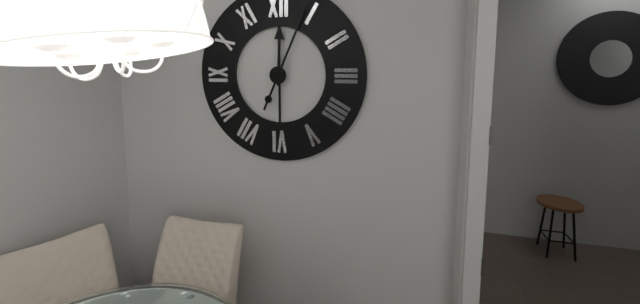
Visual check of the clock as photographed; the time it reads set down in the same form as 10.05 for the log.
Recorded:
12.04
